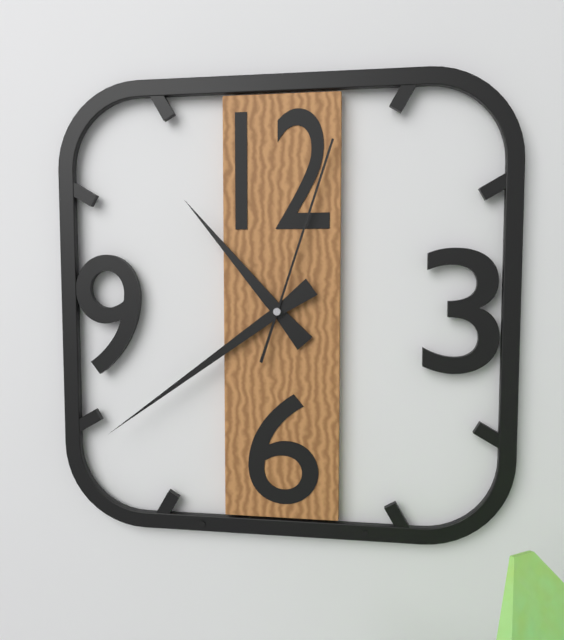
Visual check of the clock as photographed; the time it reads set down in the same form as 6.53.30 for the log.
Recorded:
10.39.03
